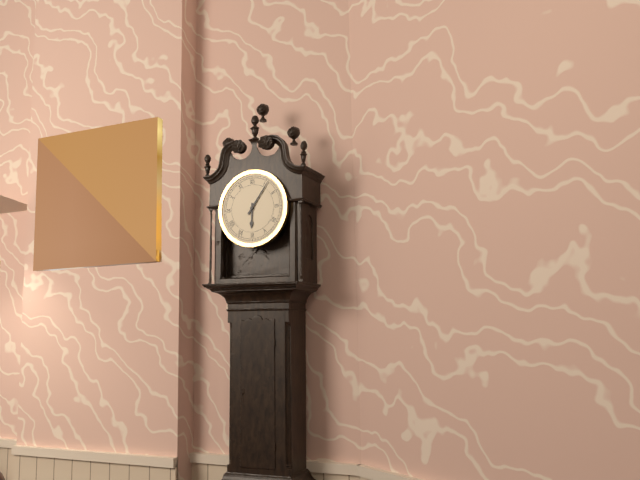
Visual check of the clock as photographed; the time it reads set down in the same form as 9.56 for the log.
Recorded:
6.06
